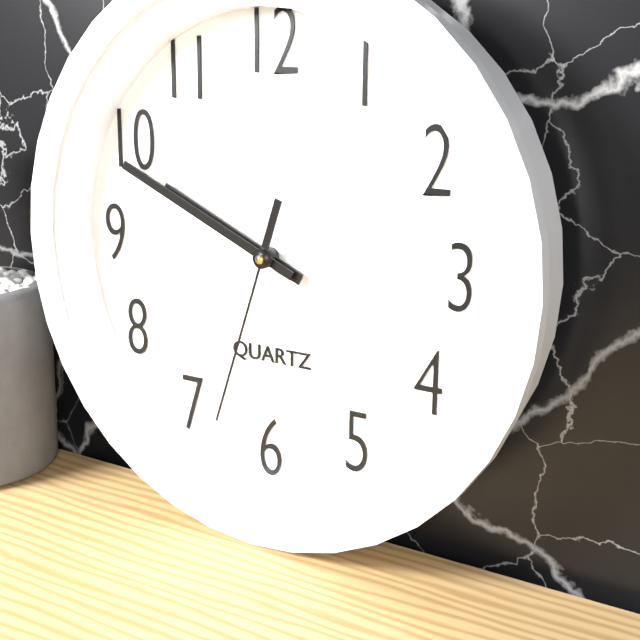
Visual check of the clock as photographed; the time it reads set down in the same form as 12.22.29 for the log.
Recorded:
9.49.33
